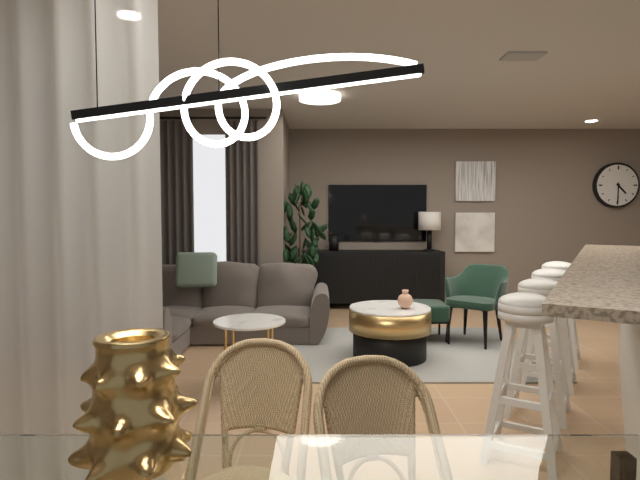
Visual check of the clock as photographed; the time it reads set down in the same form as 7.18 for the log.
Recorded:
4.30
